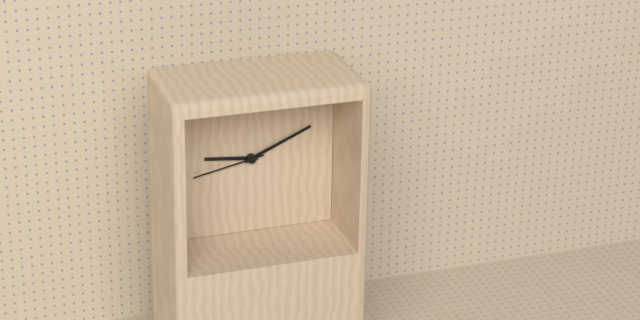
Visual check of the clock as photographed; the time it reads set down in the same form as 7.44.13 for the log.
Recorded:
9.11.43
